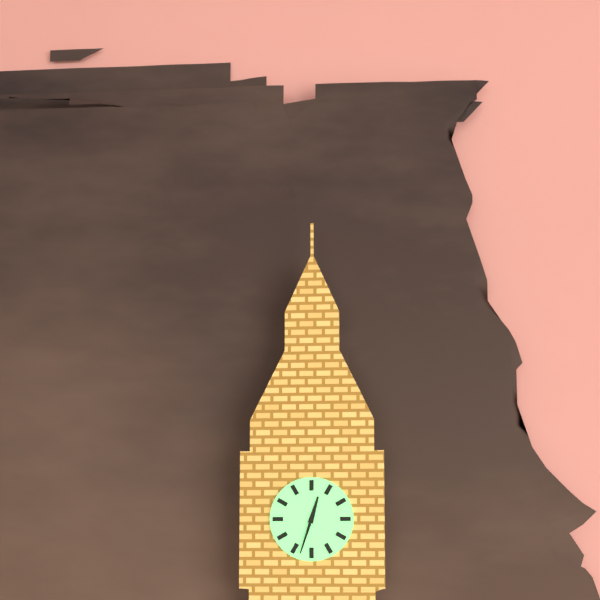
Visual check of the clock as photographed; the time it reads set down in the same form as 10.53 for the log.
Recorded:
12.33
